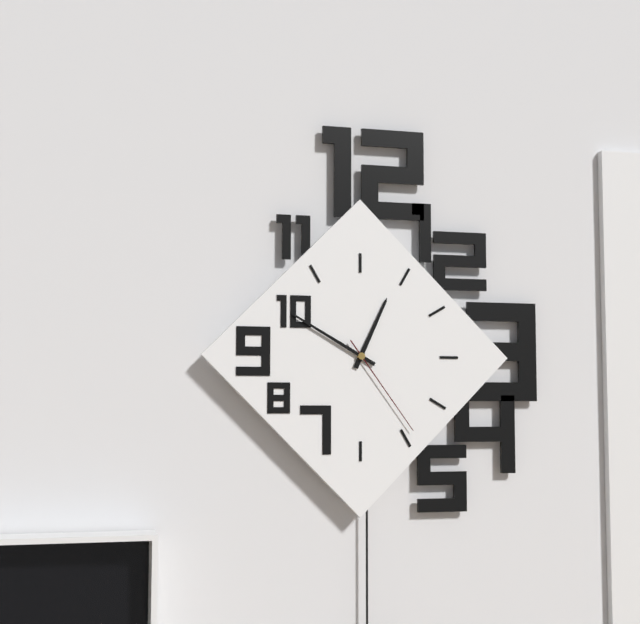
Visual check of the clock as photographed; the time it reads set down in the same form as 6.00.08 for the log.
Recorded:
12.50.24
